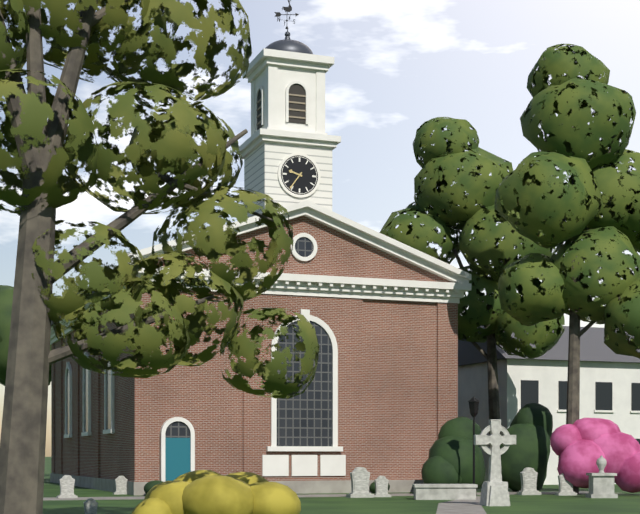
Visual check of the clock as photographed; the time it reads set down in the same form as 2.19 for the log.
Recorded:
9.36
